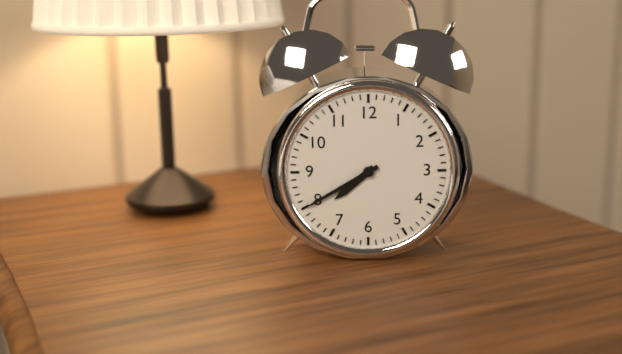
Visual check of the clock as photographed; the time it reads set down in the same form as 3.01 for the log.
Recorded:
7.40
